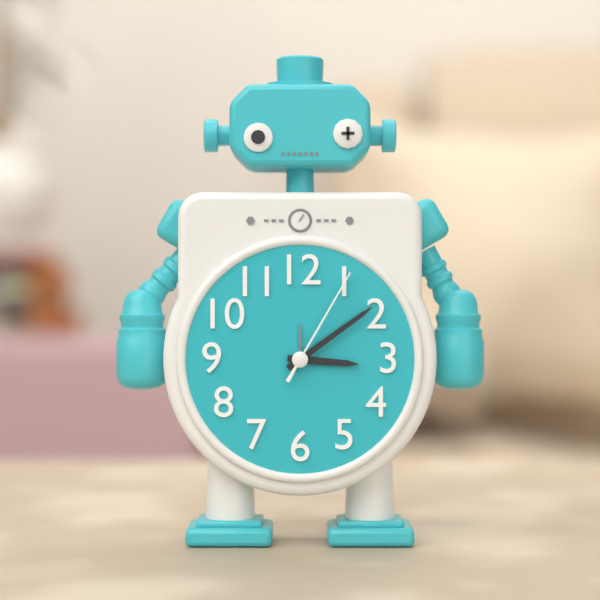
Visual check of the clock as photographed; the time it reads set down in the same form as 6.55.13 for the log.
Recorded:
3.09.05
